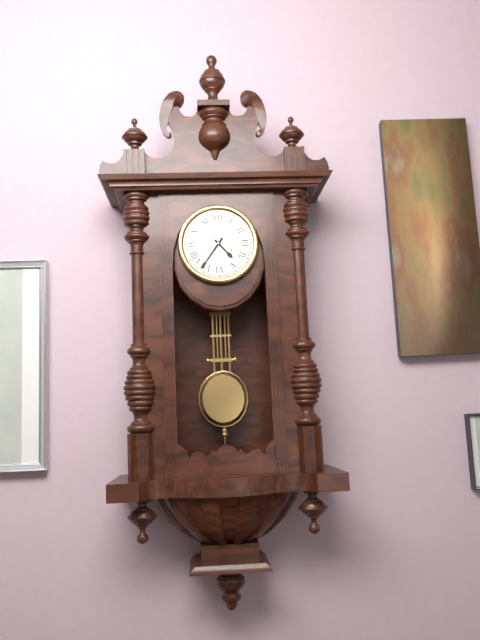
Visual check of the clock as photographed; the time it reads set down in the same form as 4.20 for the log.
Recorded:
4.36
